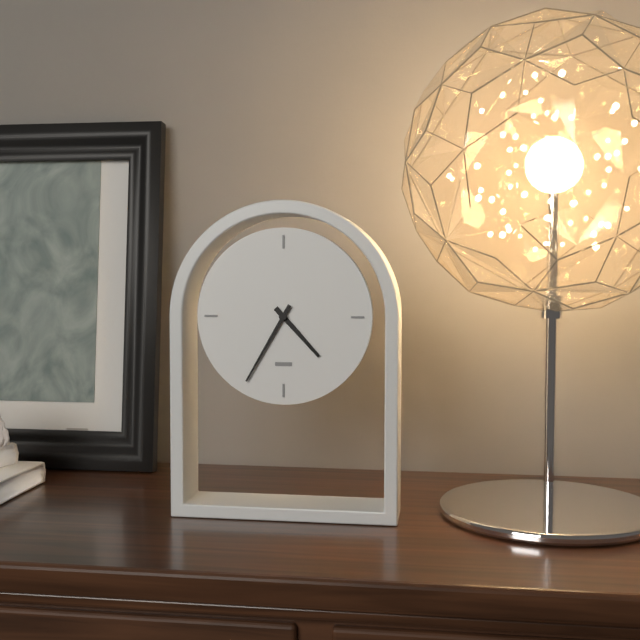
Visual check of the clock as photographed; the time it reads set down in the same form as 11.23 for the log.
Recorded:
4.35
